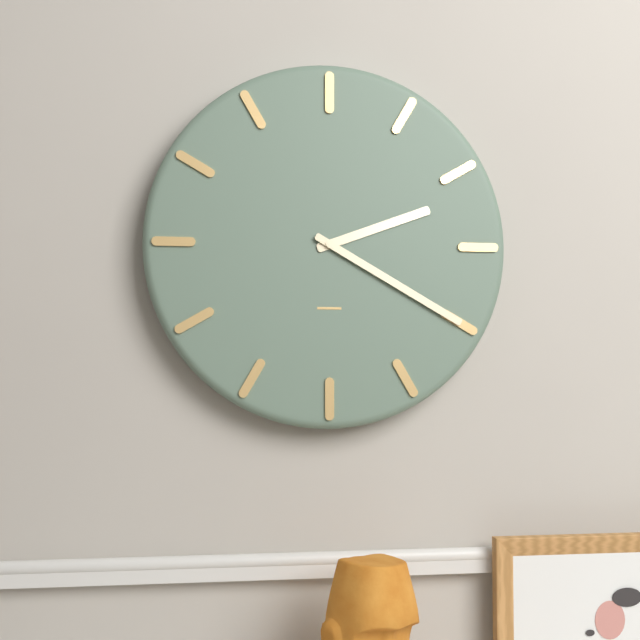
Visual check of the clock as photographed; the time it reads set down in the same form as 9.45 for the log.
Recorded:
2.20
